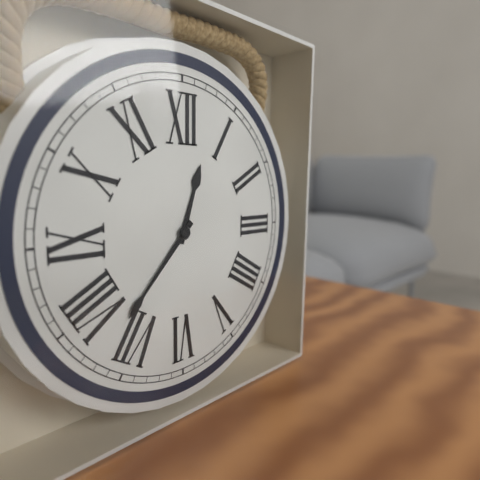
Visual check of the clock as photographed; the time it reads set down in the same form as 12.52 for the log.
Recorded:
12.37
